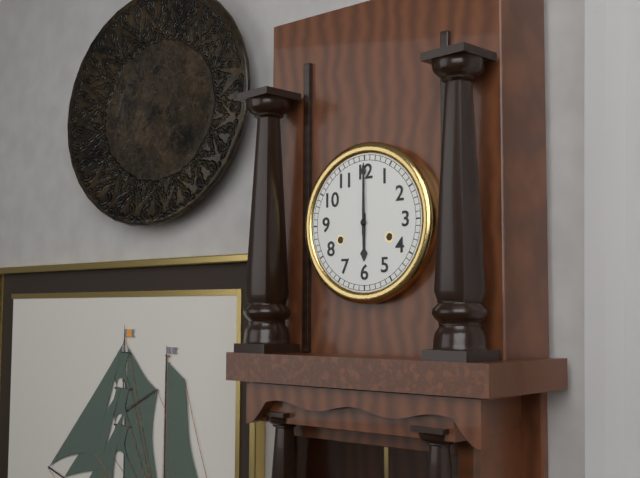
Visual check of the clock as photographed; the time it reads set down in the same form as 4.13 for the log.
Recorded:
6.00
